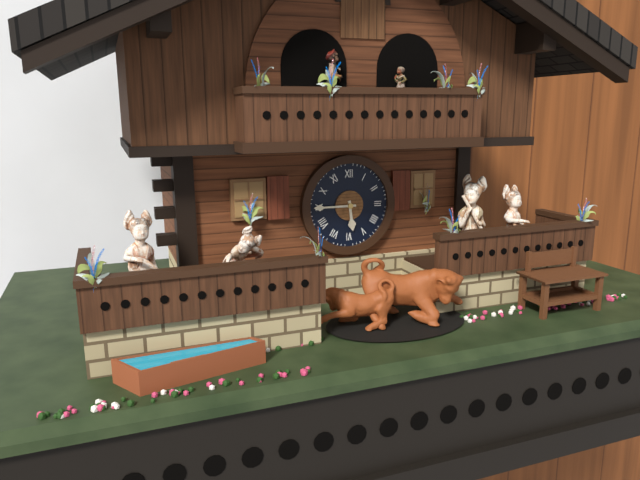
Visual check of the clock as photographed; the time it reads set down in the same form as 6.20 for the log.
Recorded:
5.45
